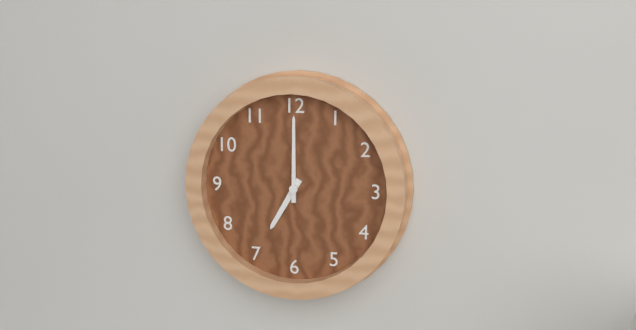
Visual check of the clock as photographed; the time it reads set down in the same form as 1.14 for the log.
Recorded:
7.00
